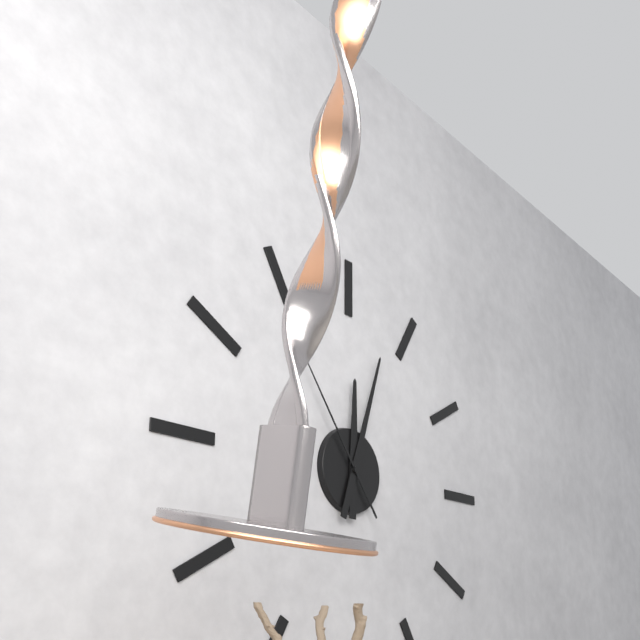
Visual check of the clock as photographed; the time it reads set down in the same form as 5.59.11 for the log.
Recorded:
12.03.54
